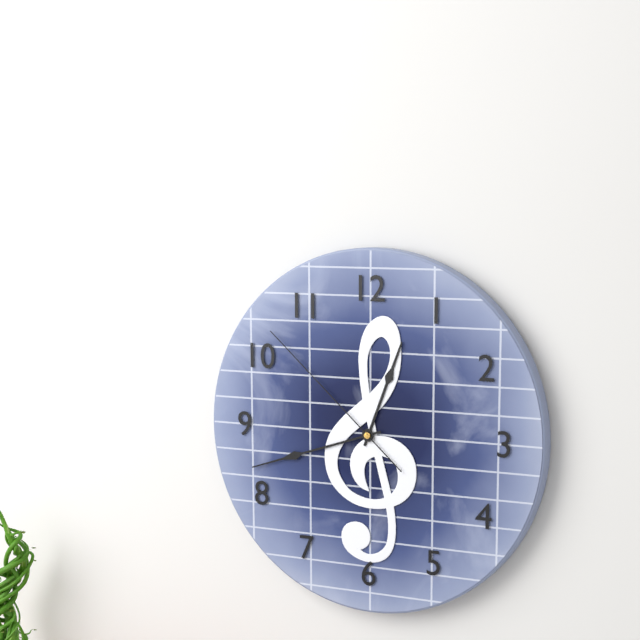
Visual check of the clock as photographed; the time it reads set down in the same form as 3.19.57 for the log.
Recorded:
12.42.52
